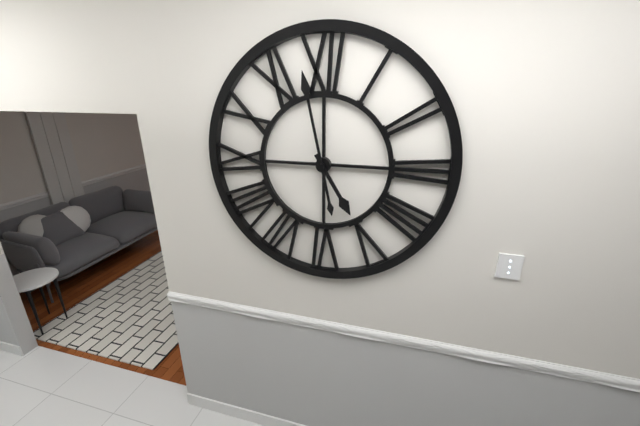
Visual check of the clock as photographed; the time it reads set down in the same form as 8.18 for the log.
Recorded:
4.58
